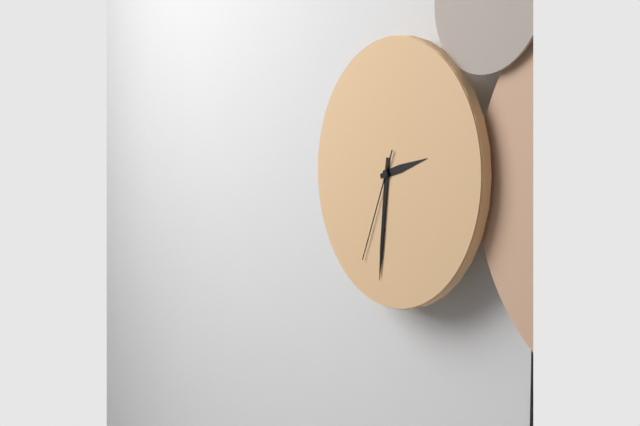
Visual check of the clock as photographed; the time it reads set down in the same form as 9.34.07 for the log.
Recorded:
2.31.34
